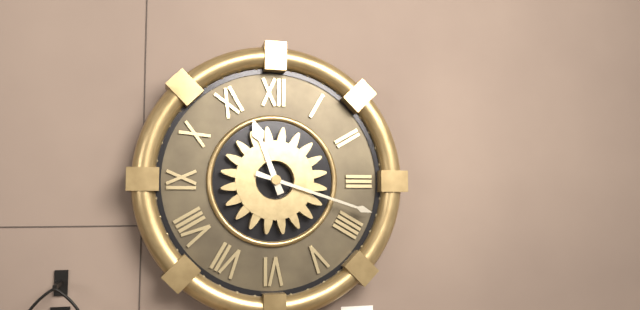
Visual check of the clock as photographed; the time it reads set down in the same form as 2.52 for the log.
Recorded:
11.18
